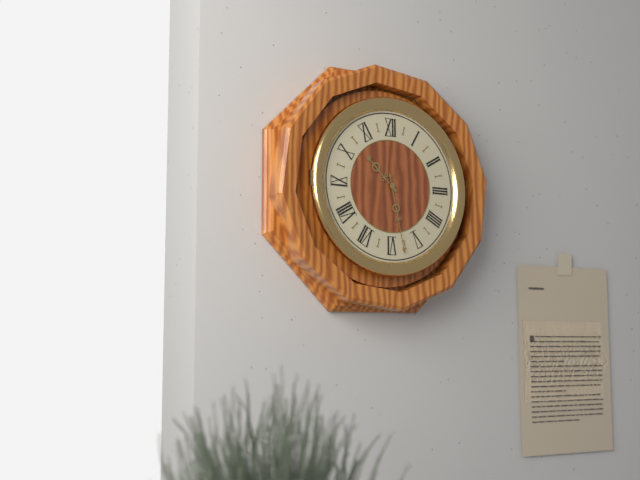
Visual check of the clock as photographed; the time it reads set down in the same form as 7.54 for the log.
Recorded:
10.28
